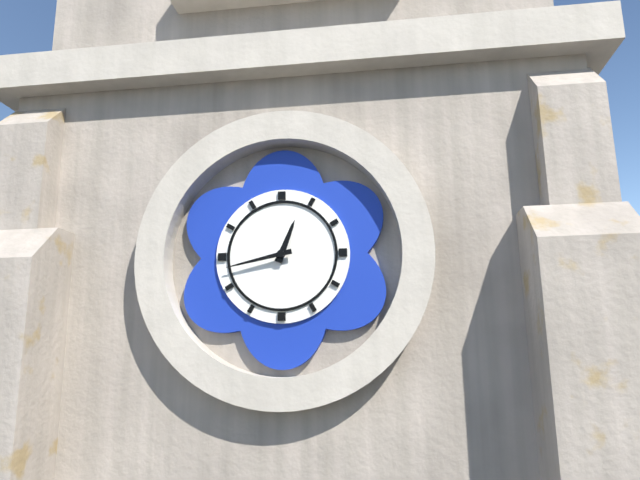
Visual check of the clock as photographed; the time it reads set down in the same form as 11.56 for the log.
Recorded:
12.43
